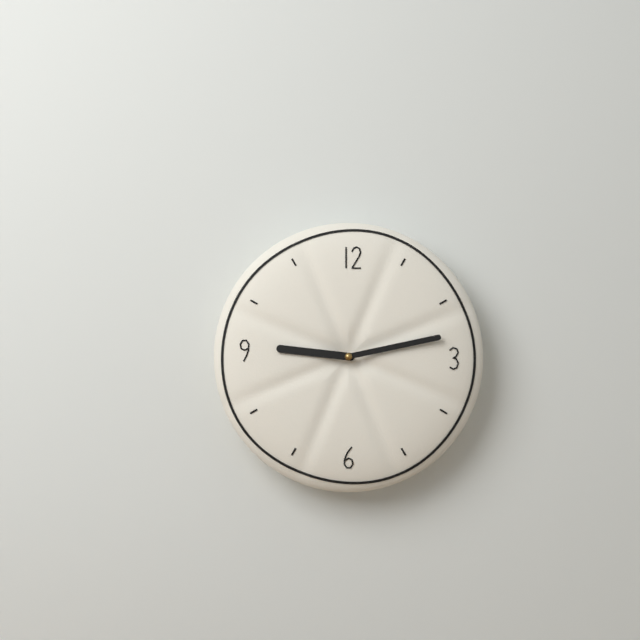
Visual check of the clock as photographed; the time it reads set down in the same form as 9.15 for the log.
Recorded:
9.13
